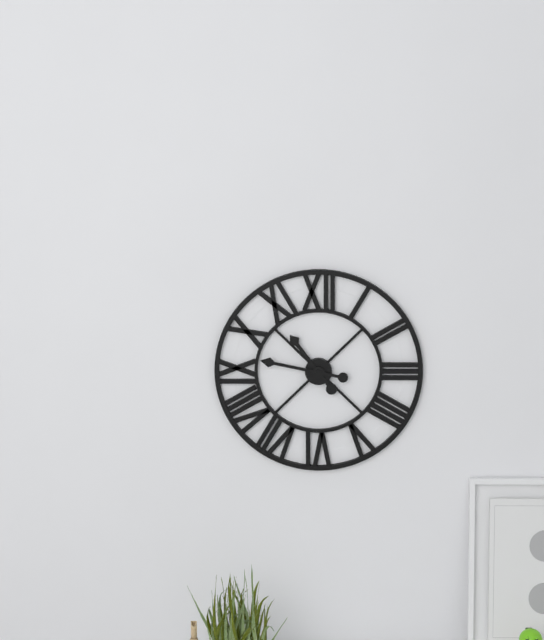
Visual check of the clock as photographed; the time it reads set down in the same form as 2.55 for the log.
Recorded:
10.47
